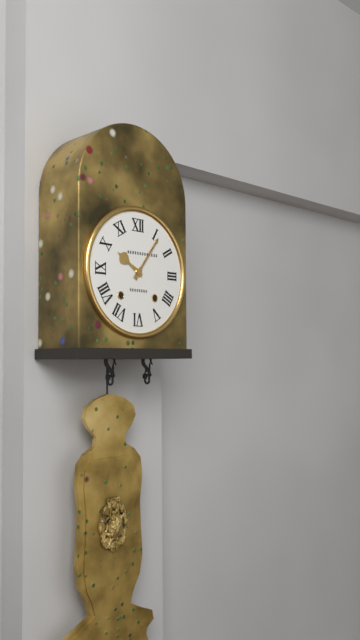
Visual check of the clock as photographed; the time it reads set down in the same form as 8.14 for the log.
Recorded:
10.06
